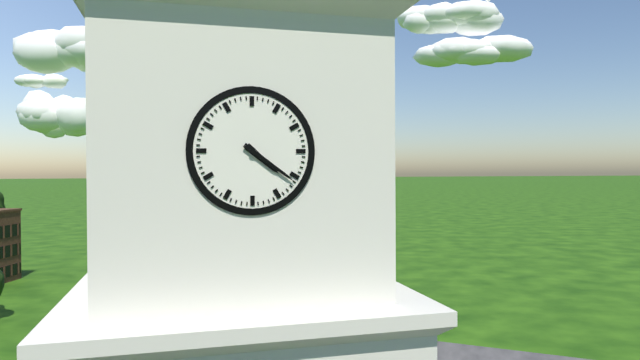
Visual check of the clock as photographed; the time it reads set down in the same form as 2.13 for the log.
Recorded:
4.21
